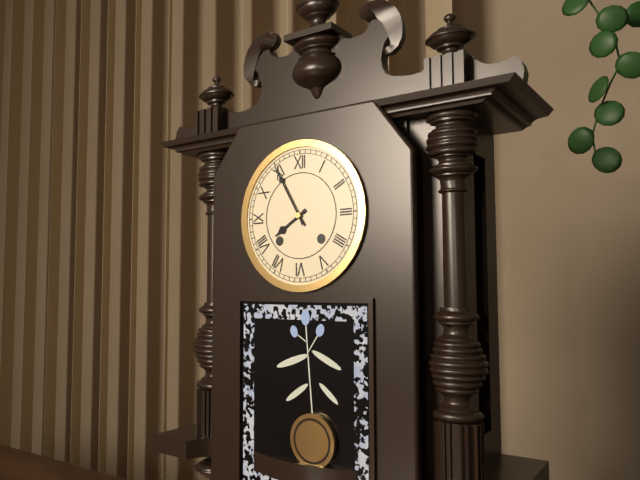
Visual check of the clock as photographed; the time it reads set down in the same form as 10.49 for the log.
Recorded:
7.55
